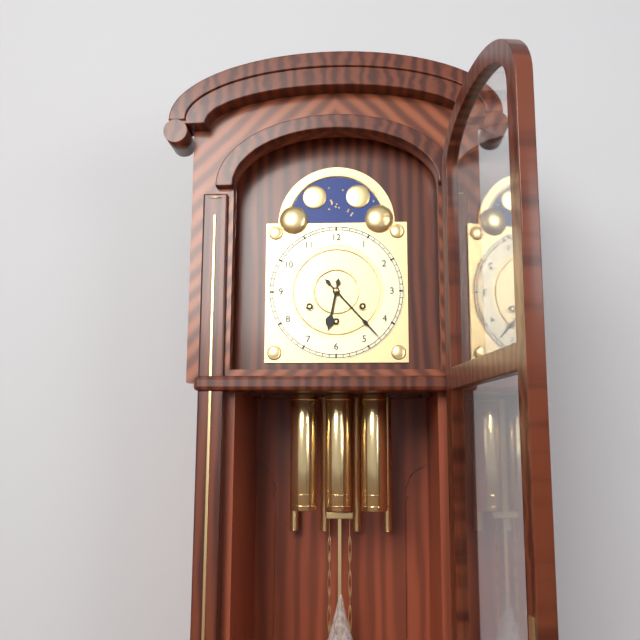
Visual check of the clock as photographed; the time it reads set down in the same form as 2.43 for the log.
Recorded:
6.23
